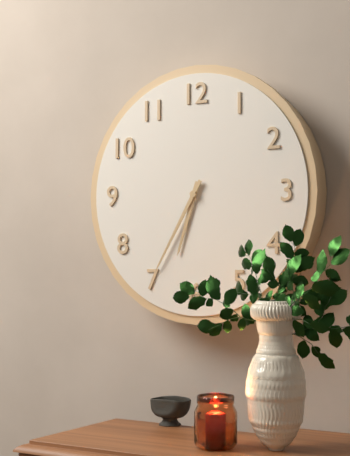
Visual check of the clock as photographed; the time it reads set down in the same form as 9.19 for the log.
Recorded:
6.35
